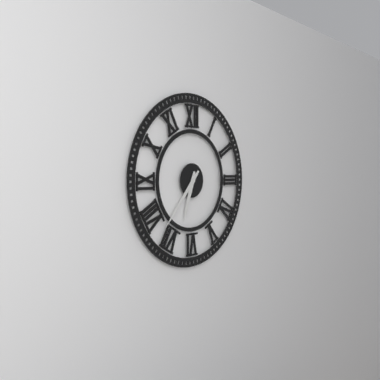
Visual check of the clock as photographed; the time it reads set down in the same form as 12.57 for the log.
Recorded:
6.37
